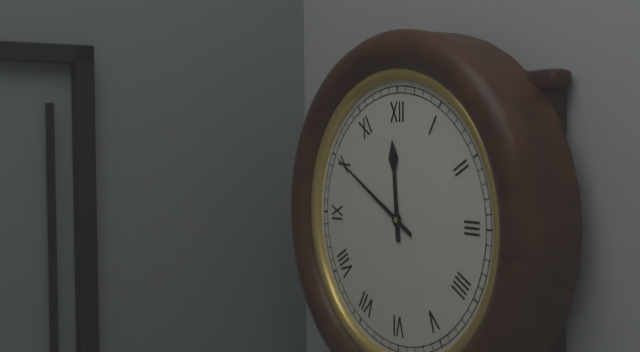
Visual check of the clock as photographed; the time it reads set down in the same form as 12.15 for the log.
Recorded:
11.50
